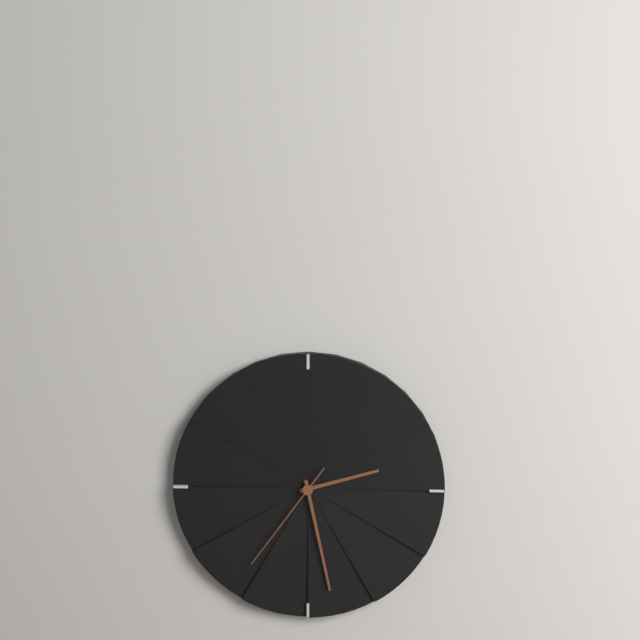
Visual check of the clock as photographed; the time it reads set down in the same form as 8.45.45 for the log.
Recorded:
2.28.36
